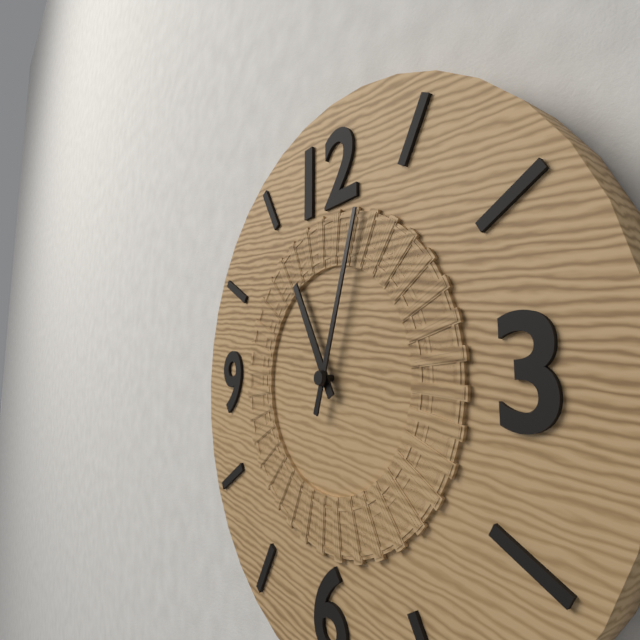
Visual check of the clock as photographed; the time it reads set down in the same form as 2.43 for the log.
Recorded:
11.03
